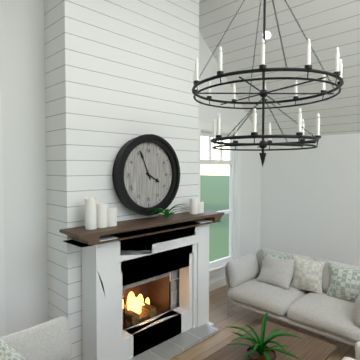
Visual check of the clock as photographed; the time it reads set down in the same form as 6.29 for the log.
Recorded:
3.56
